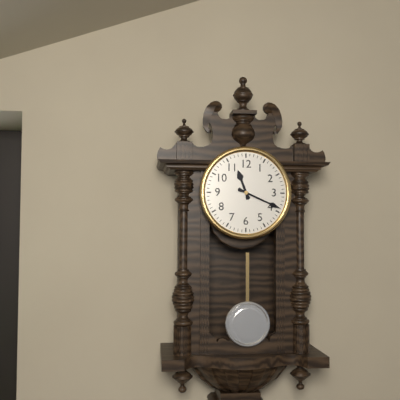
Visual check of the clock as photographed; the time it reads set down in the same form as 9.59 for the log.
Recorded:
11.19
